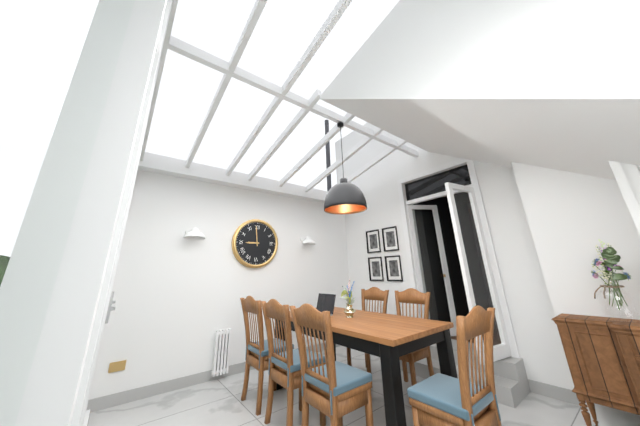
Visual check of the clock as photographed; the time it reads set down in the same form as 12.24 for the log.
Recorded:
8.59
